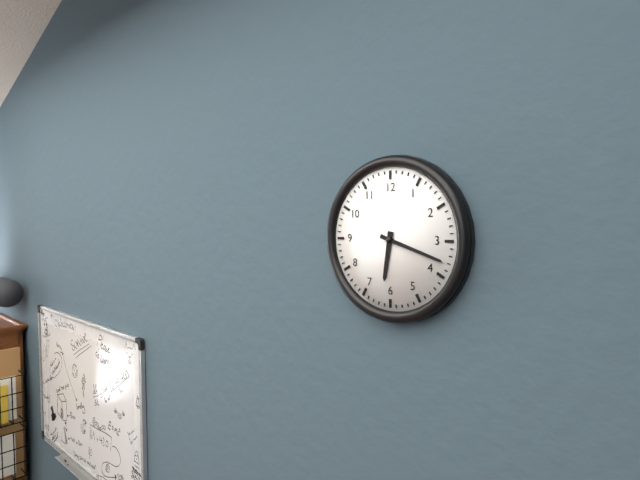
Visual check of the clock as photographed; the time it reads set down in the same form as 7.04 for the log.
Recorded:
6.18
